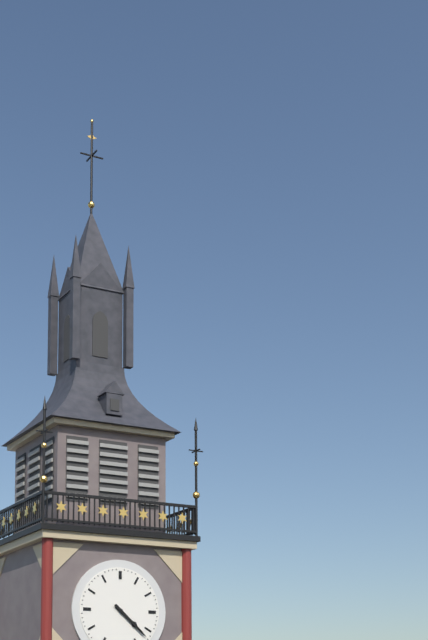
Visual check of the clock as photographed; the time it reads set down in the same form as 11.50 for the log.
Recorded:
4.22
